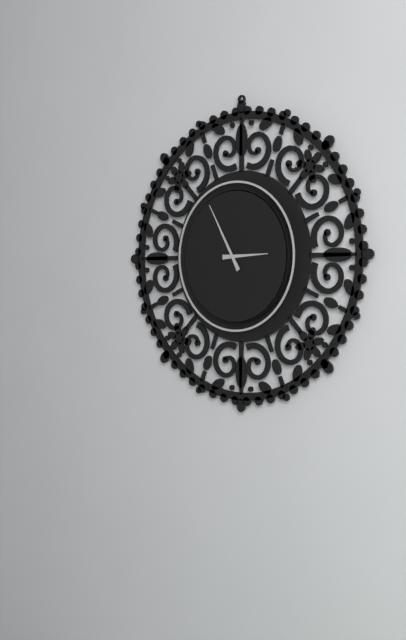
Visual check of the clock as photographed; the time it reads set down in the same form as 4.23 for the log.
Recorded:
2.55
